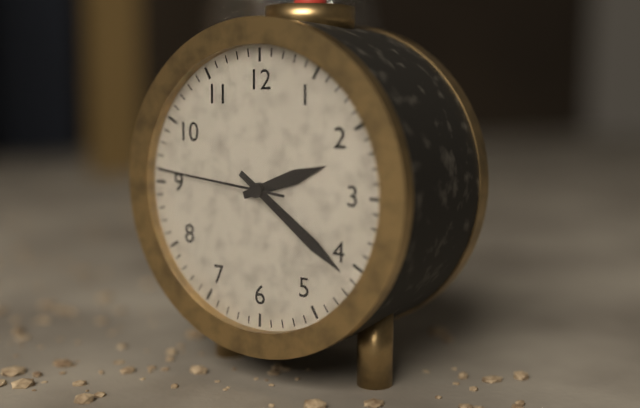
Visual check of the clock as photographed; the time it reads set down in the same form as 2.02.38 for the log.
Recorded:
2.21.46
